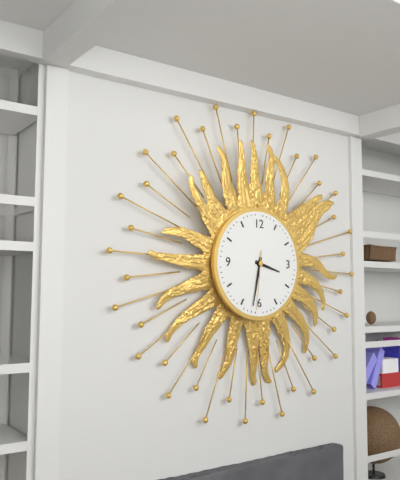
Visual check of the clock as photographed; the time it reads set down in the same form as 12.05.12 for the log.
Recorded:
3.32.31
